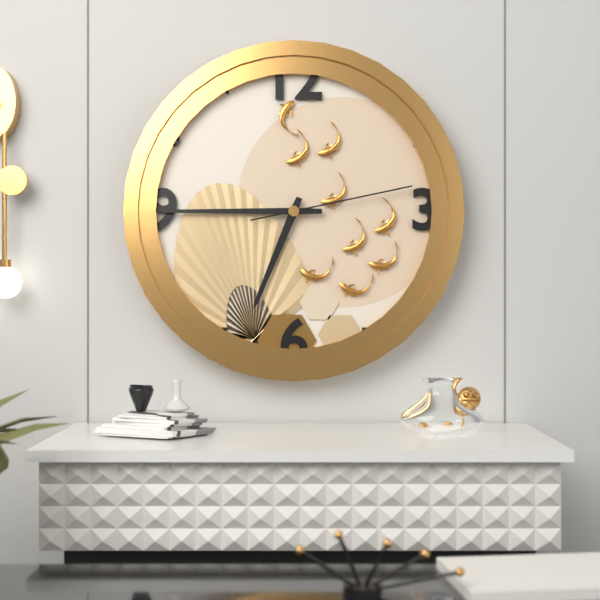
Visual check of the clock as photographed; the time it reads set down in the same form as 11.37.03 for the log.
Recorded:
6.45.13
